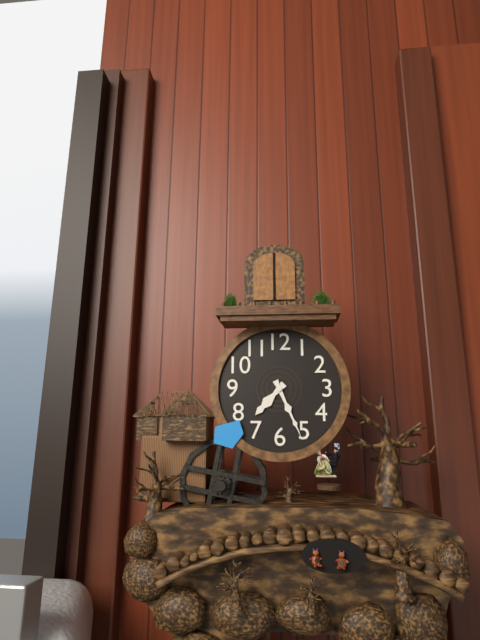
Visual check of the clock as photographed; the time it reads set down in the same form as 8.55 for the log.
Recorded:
7.26
